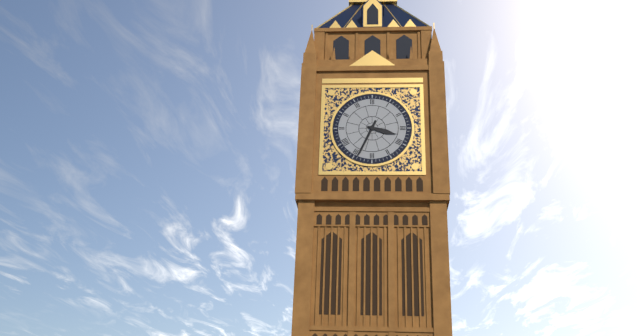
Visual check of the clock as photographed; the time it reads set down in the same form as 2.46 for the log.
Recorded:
3.34
